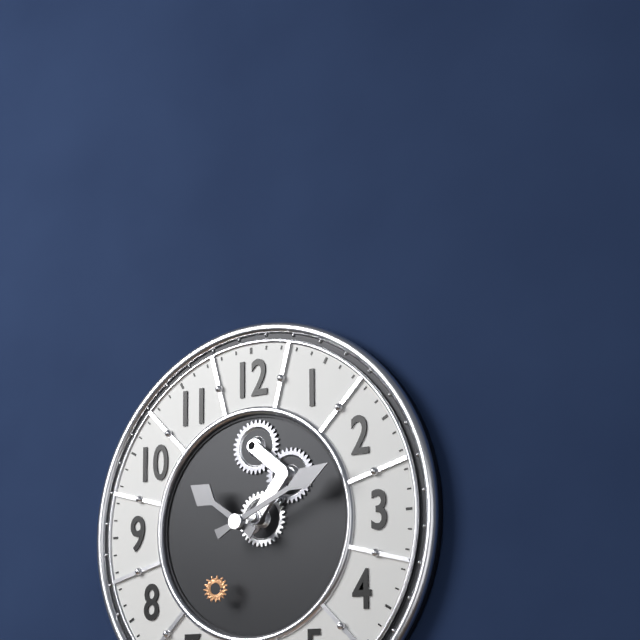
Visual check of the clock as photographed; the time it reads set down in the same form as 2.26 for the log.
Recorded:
10.11
